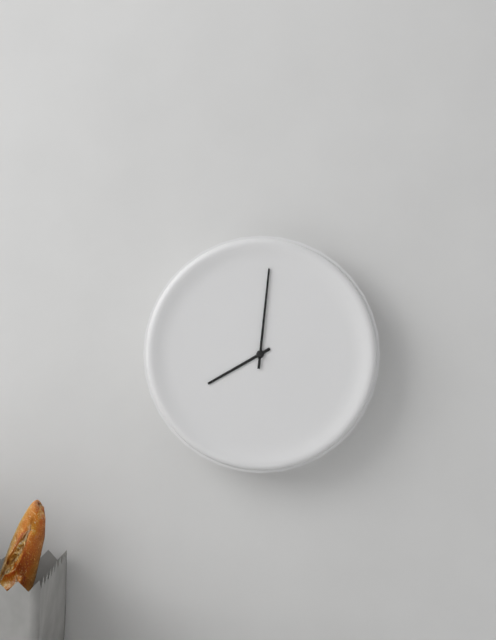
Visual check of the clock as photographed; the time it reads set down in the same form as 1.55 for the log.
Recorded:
8.01
